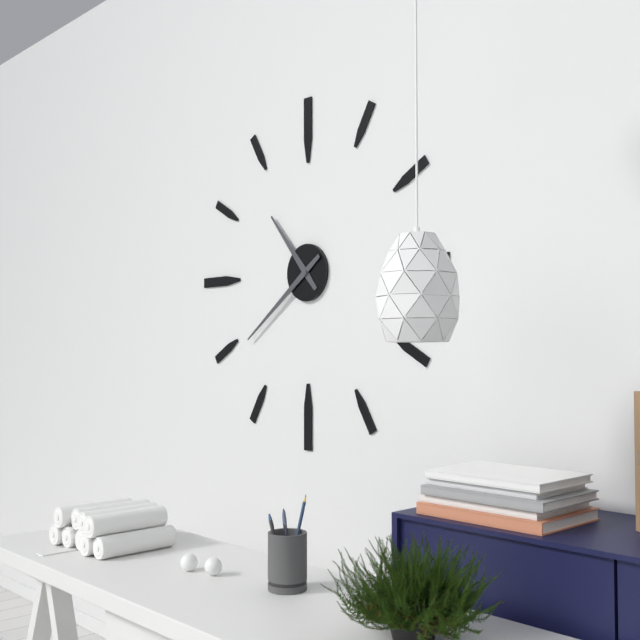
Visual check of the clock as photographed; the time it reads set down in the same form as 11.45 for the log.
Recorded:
10.39
